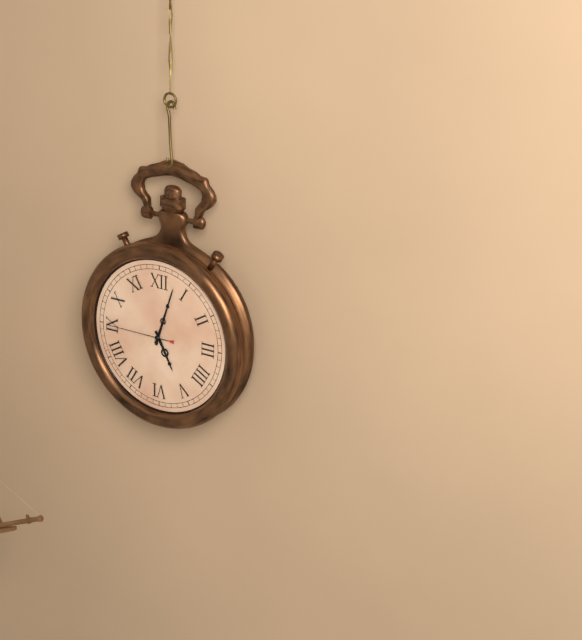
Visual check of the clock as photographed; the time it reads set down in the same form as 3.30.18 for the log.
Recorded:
5.03.45
